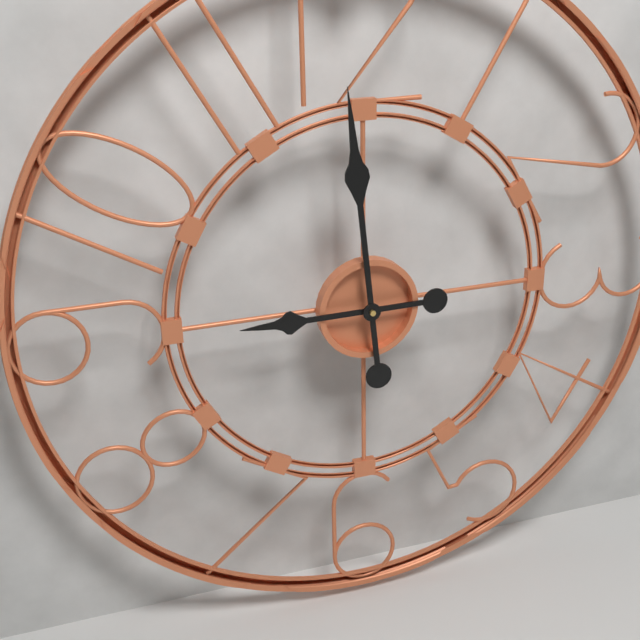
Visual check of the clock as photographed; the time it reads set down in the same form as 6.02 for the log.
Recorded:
8.59
